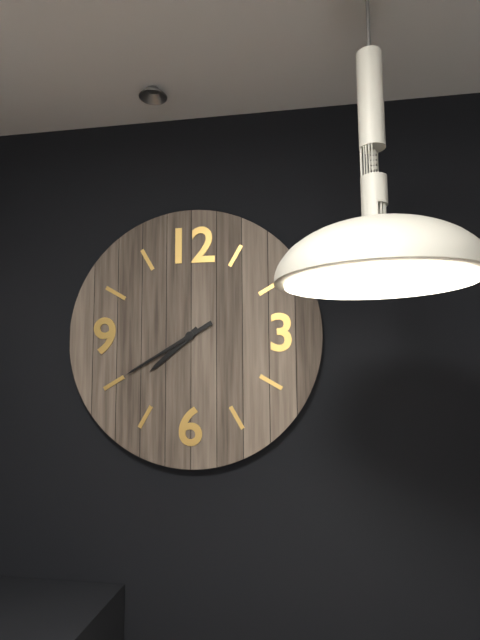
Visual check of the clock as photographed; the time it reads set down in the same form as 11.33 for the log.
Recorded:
7.40
